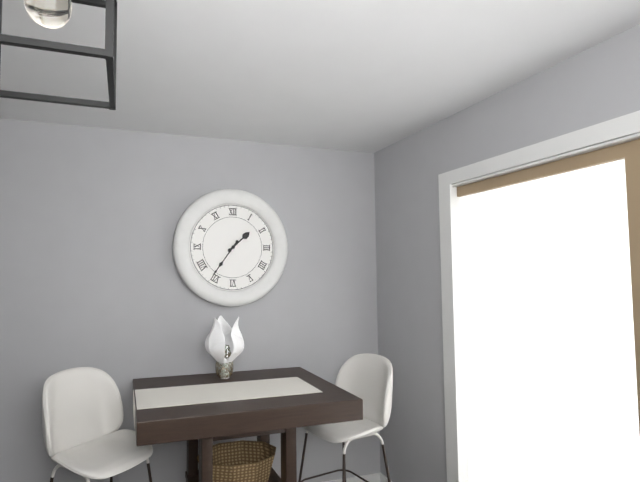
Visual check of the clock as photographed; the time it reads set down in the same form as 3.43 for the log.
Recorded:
1.36
